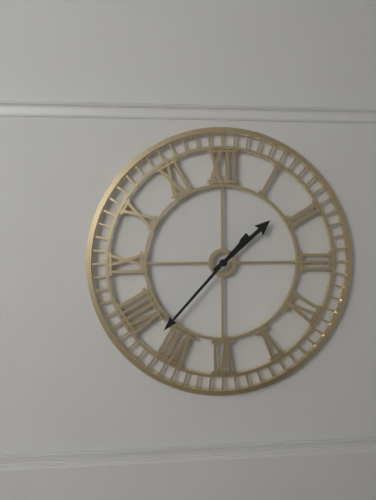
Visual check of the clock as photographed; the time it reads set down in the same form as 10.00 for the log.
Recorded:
1.37
